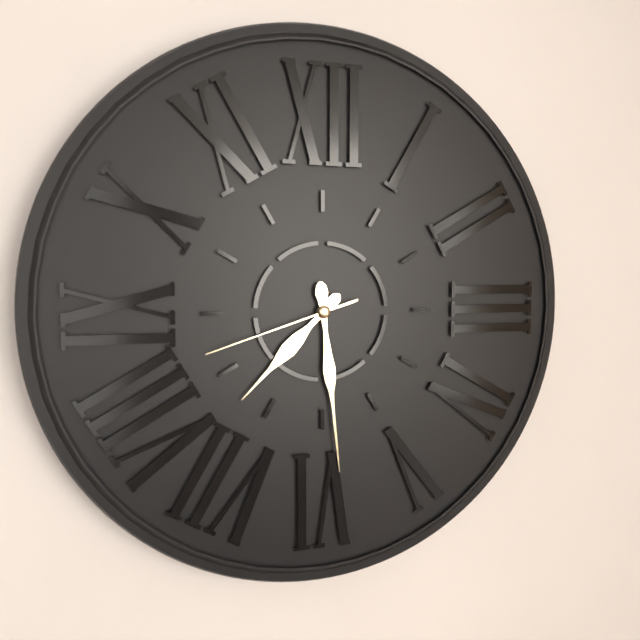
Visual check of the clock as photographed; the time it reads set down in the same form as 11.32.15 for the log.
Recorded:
7.29.42
